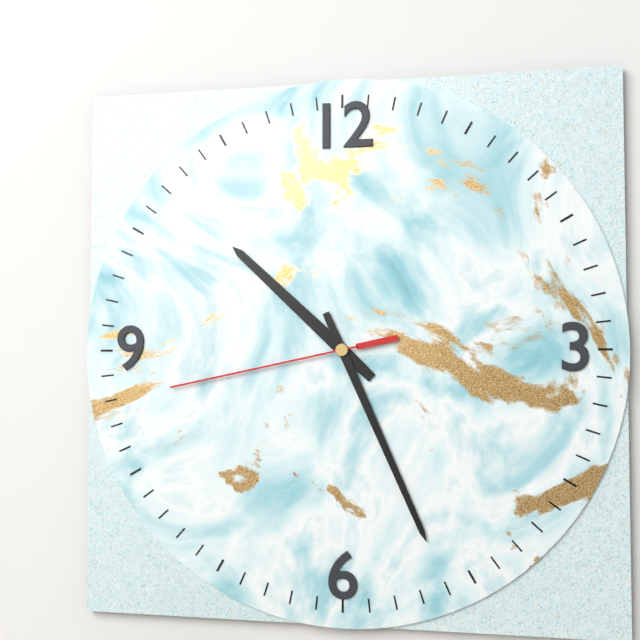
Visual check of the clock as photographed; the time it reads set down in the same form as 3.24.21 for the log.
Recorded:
10.26.43
